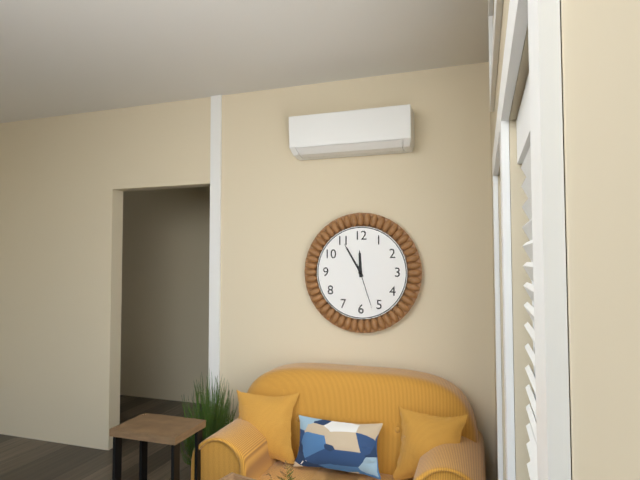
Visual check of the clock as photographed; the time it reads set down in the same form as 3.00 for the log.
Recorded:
11.55
